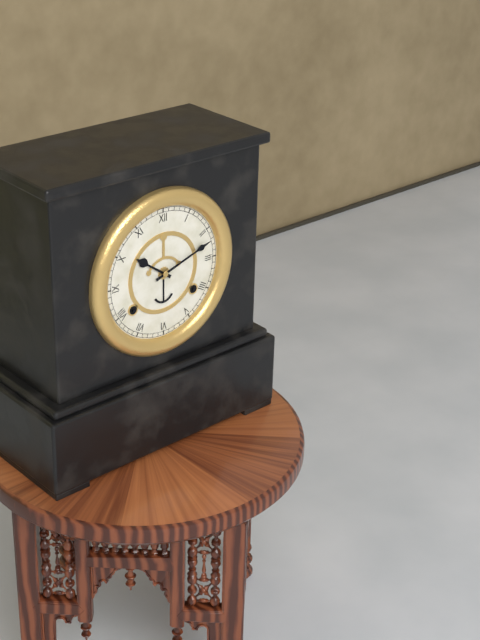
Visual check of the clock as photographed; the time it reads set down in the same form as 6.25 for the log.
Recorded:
10.12
